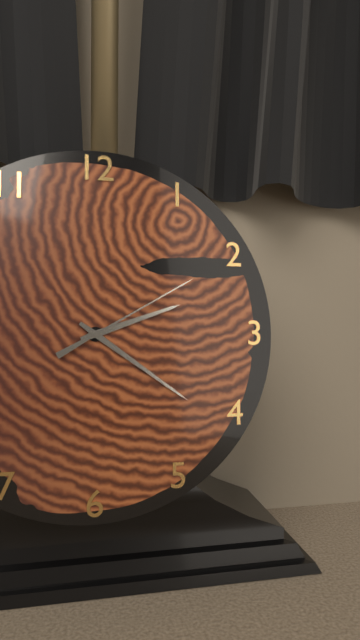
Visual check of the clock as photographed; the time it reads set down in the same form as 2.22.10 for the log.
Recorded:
2.21.10
